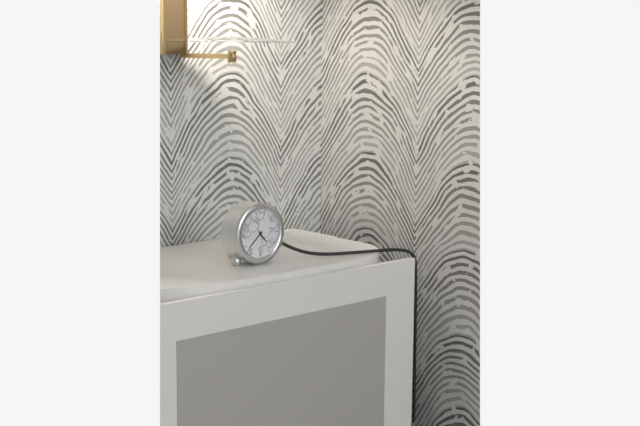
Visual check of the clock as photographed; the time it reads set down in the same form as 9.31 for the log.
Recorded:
4.38
